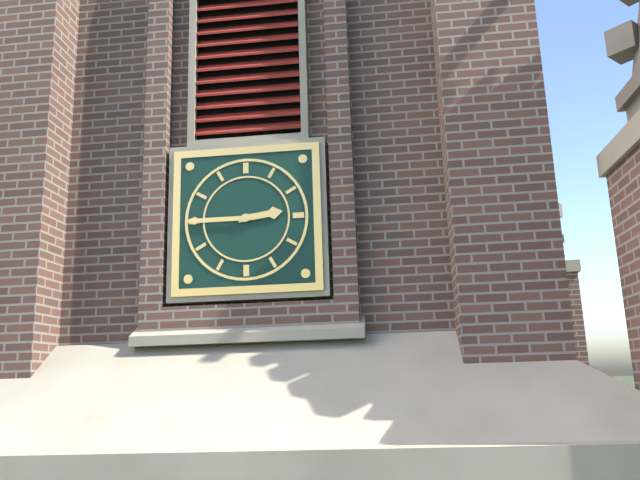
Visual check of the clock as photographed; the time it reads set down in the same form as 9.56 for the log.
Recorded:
2.45
